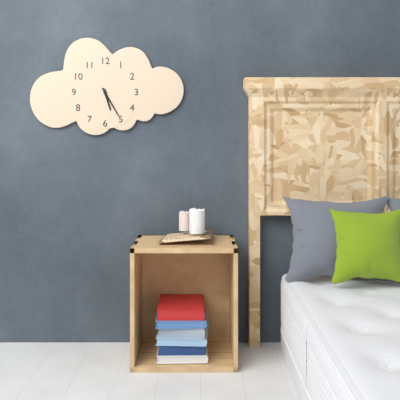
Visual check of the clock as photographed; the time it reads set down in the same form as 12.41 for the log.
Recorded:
5.25
